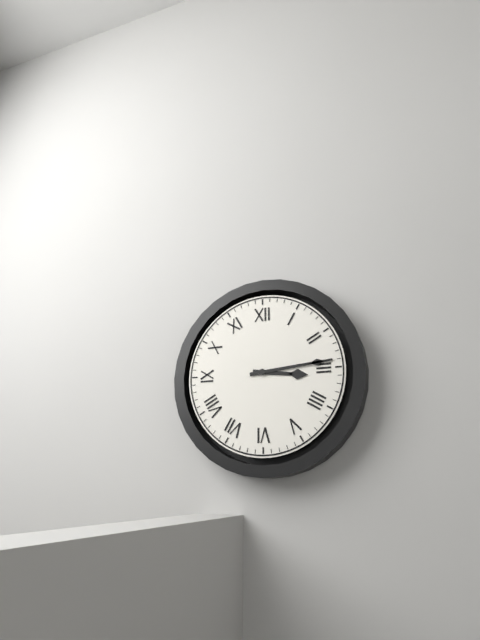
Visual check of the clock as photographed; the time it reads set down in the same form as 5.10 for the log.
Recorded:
3.14
